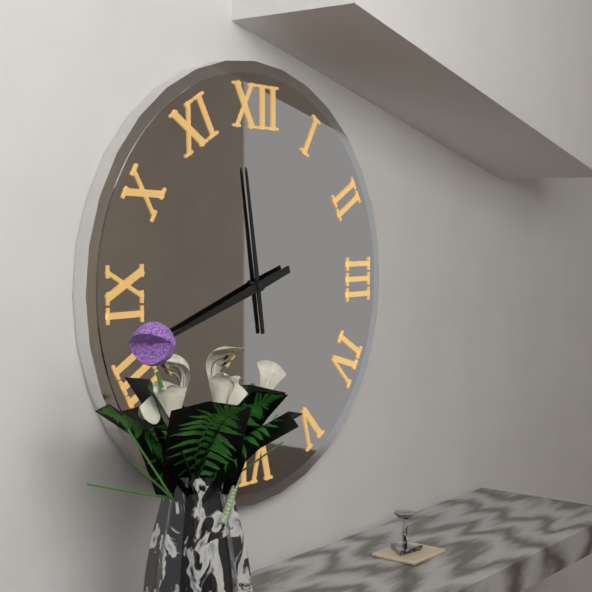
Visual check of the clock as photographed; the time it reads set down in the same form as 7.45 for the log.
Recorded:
11.42
